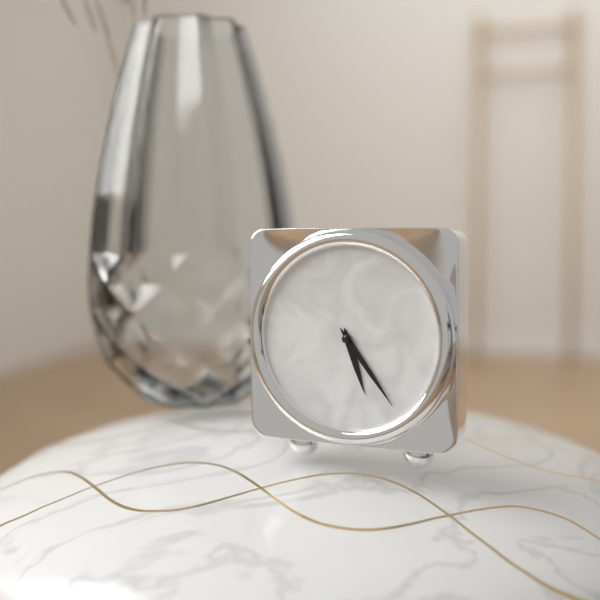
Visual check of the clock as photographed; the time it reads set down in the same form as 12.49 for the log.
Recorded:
5.24
